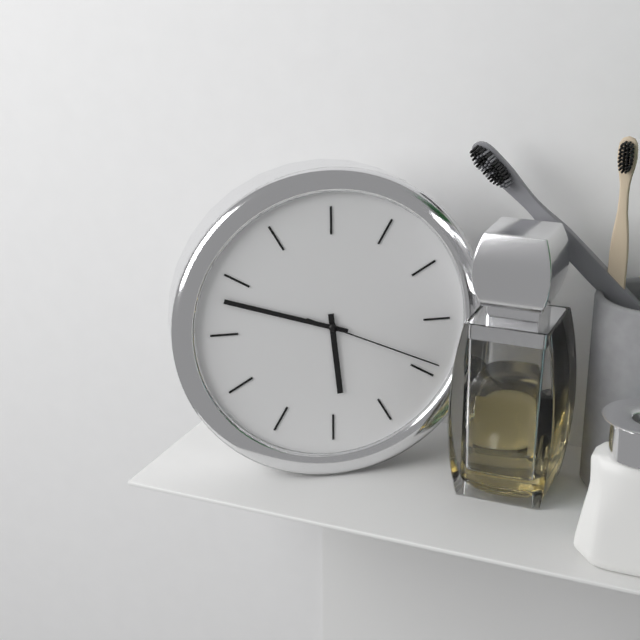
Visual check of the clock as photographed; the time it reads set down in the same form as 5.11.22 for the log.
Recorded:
5.48.19
